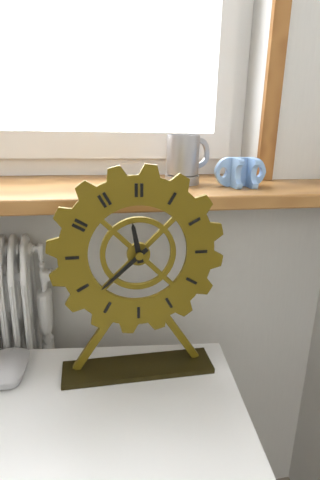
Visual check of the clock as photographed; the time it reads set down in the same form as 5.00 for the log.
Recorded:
11.38
